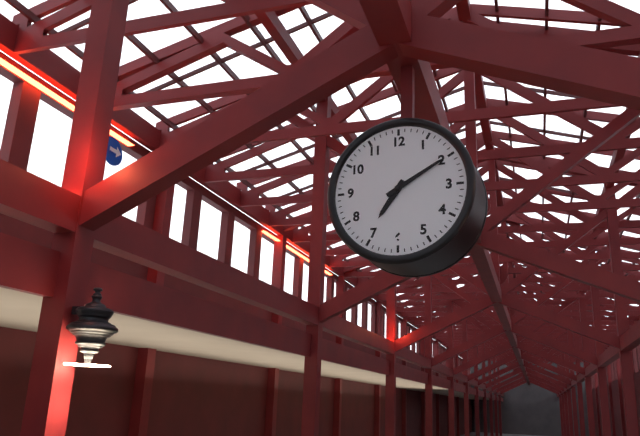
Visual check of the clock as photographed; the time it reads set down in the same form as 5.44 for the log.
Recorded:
7.10
